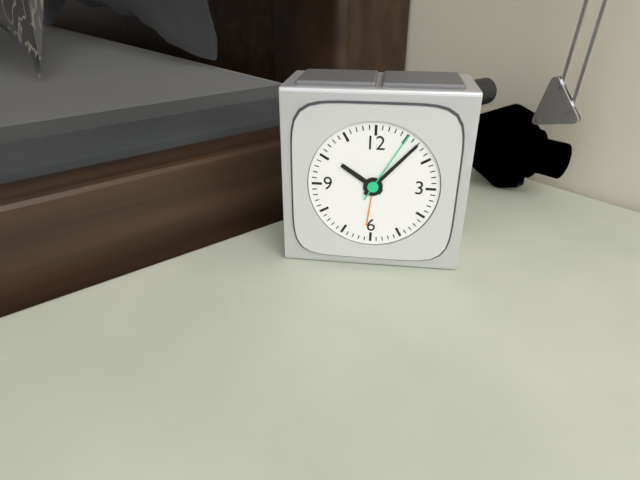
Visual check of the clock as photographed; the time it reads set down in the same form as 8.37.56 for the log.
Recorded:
10.07.05
